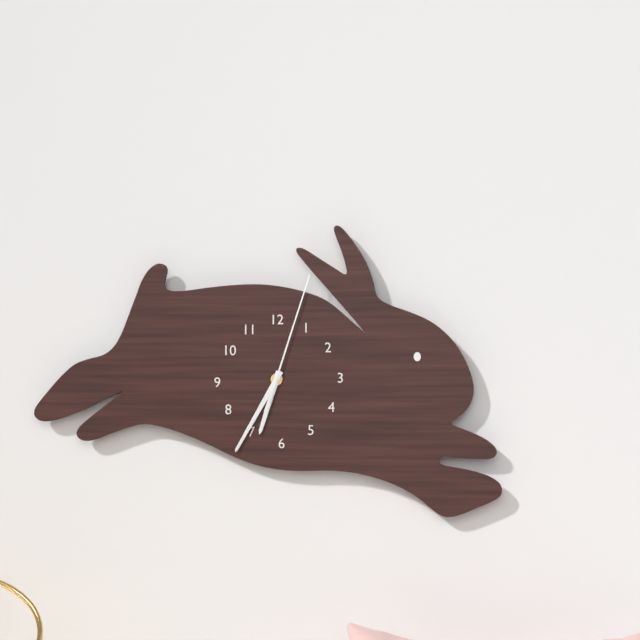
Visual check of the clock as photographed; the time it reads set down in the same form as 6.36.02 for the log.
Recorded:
6.35.03
